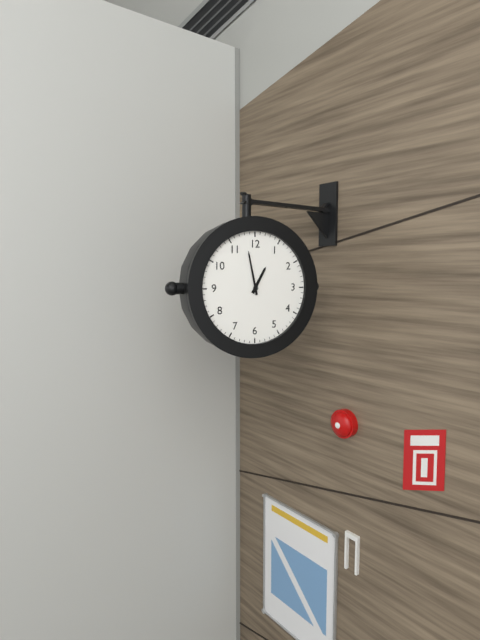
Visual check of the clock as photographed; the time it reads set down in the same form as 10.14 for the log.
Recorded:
12.58
